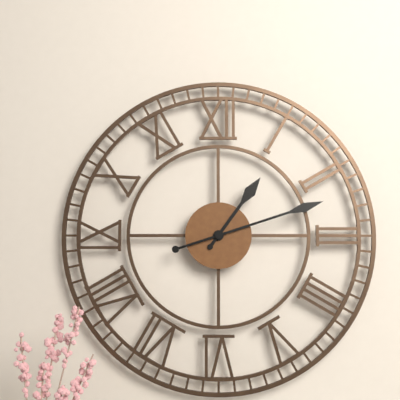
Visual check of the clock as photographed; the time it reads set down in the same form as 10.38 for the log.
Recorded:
1.12
